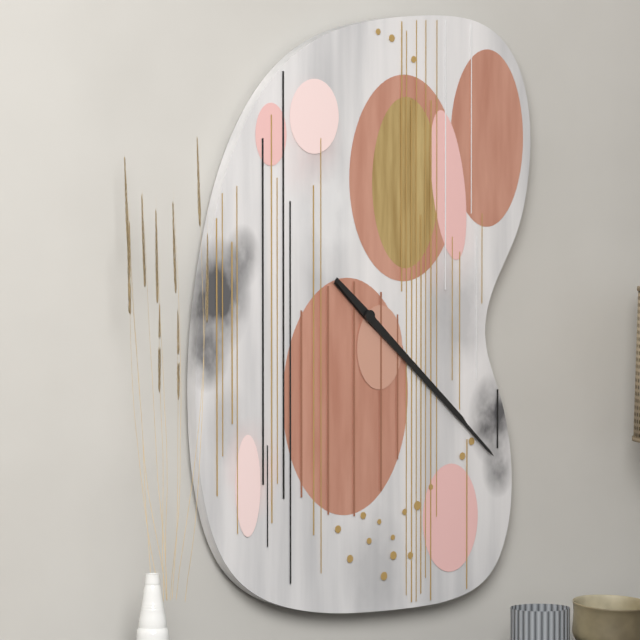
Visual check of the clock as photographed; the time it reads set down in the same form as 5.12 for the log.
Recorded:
4.22
